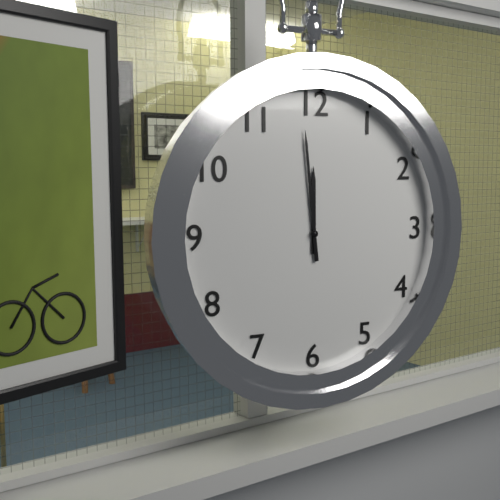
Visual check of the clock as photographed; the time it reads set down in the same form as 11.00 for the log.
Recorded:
11.59
